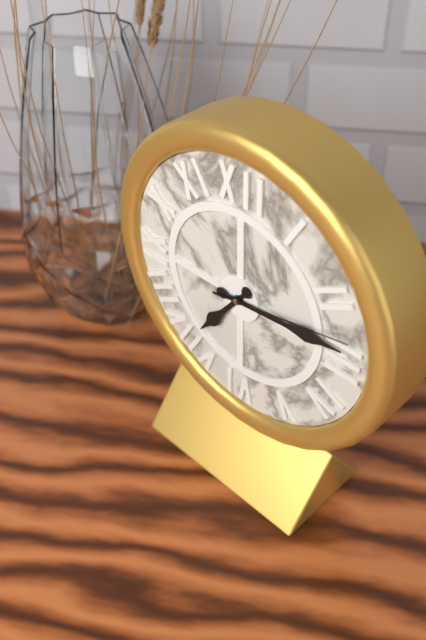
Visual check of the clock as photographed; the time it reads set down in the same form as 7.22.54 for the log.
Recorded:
7.14.13
